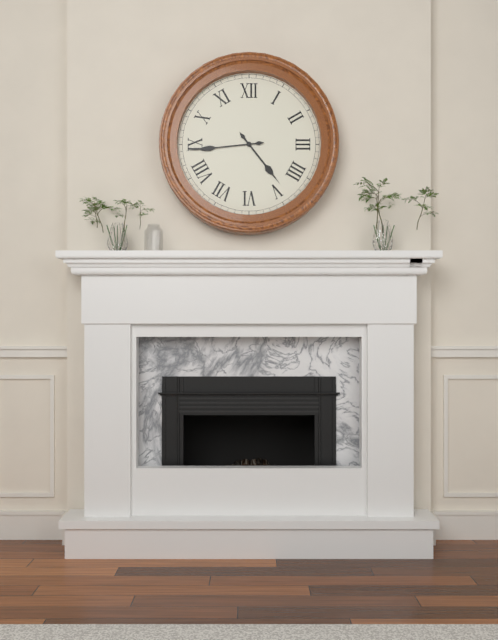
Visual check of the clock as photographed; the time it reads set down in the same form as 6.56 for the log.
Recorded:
4.44
